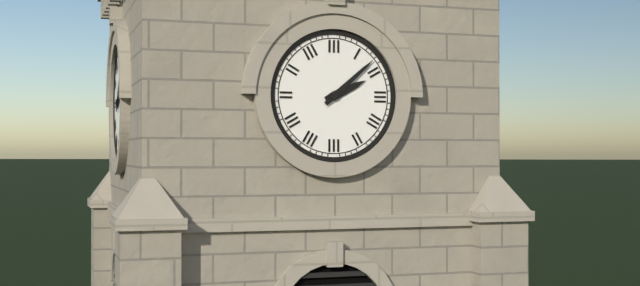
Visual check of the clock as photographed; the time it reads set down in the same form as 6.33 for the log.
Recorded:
2.08
